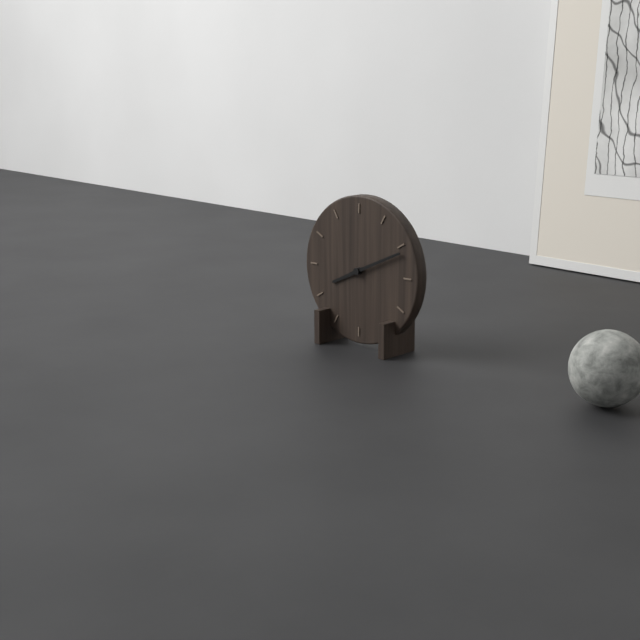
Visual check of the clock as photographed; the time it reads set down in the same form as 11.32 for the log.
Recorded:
8.11
